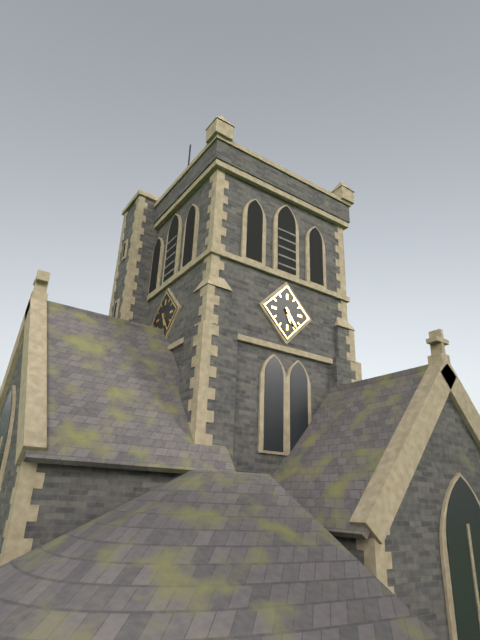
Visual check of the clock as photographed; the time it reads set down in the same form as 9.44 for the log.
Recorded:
5.24
